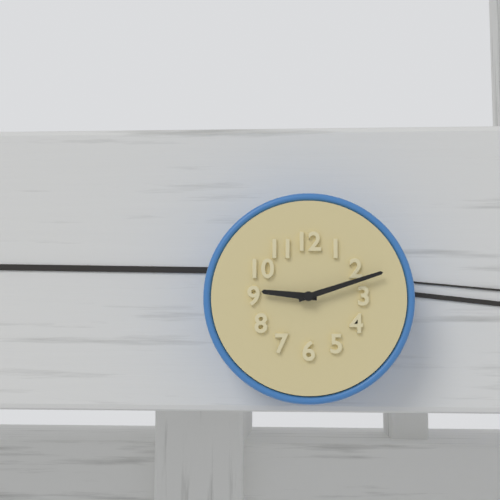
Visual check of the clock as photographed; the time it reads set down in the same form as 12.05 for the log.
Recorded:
9.12
